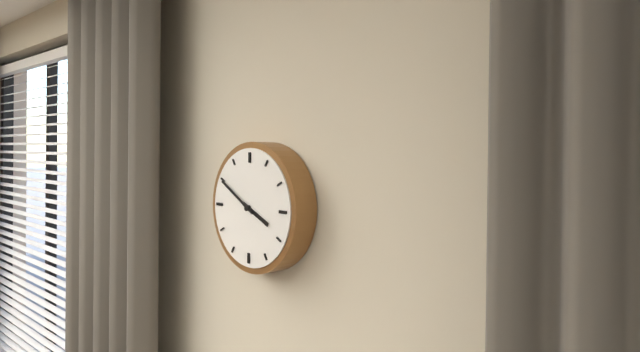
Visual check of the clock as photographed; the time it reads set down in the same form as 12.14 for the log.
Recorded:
3.50
